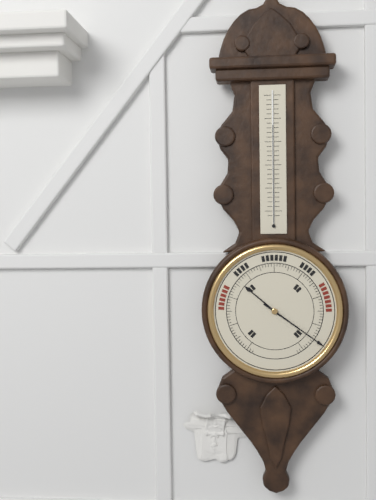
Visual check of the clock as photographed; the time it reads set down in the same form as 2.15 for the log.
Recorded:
10.21
